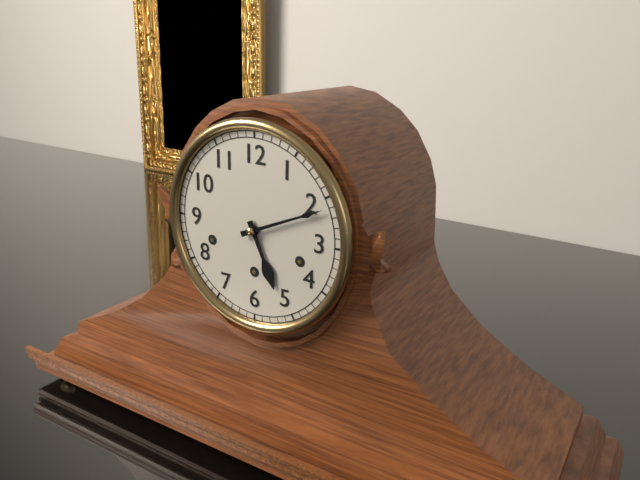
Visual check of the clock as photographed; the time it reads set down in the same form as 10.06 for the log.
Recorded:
5.11
